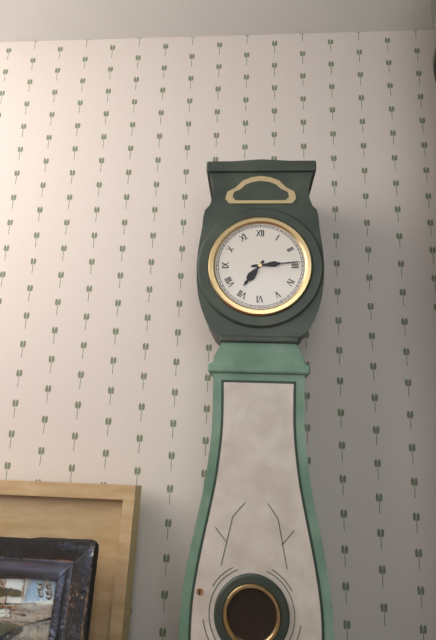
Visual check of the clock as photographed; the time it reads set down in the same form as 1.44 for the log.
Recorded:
7.14
